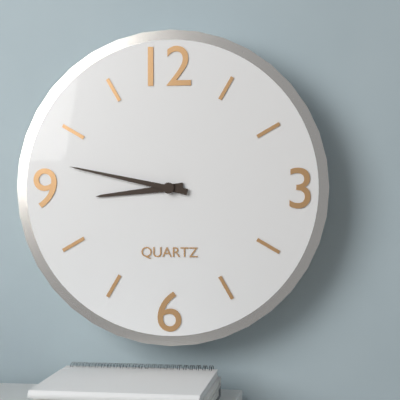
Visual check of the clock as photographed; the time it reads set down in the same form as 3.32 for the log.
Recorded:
8.47
